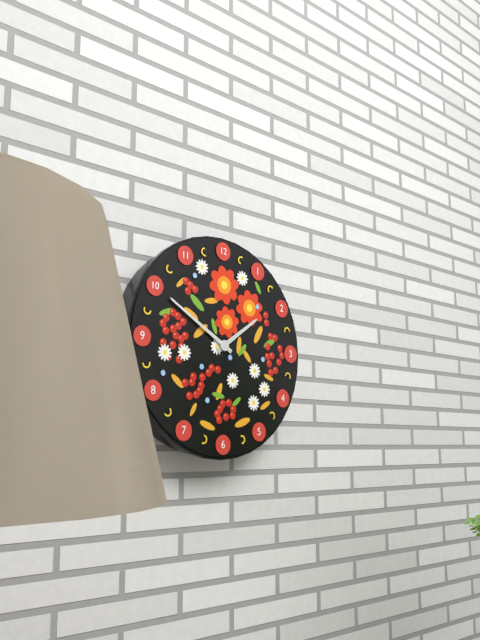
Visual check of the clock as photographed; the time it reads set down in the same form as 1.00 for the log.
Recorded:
1.50
